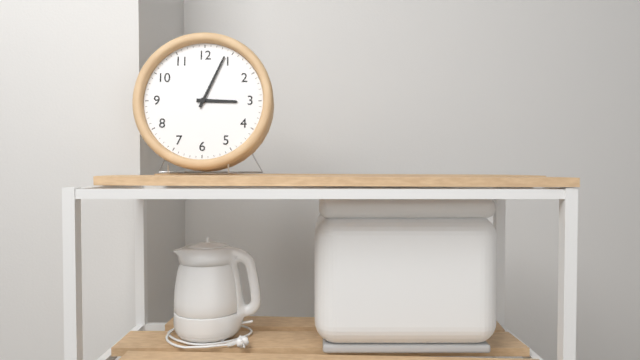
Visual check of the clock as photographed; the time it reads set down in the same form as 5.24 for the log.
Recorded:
3.04
